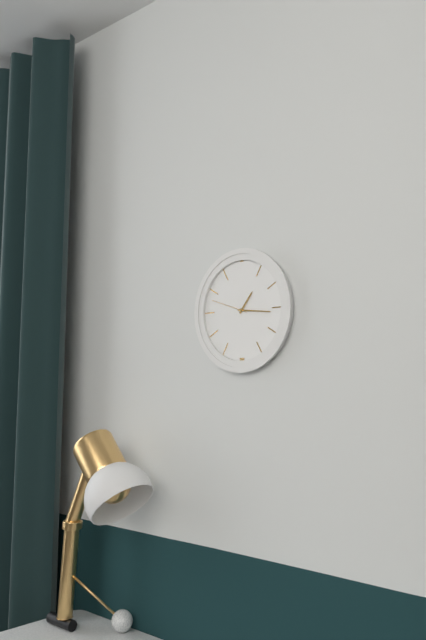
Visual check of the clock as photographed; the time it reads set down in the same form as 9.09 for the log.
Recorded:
1.16
